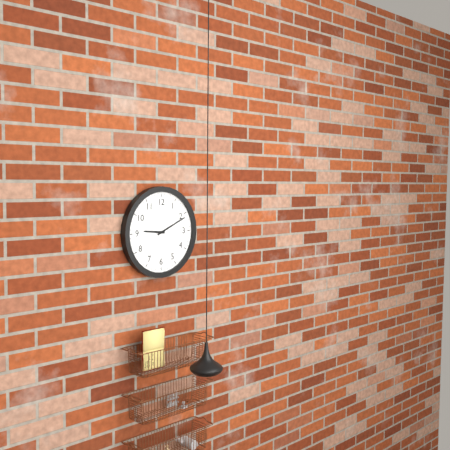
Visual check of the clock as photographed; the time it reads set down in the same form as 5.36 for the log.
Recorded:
9.11
